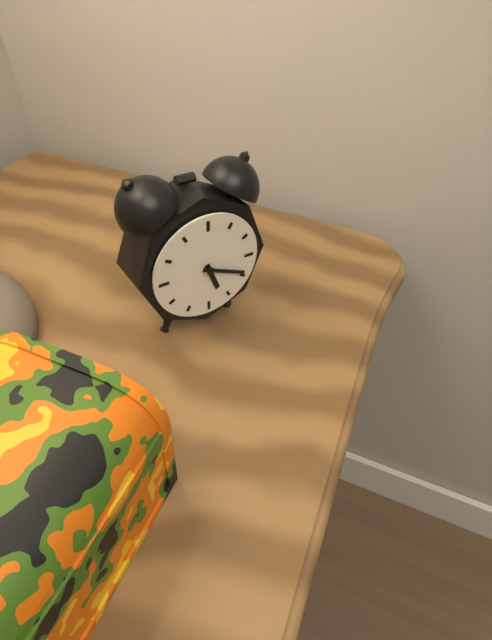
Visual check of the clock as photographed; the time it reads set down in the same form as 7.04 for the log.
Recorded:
5.19
